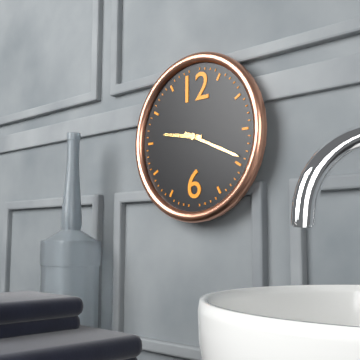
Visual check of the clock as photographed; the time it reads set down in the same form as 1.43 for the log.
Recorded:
9.19
